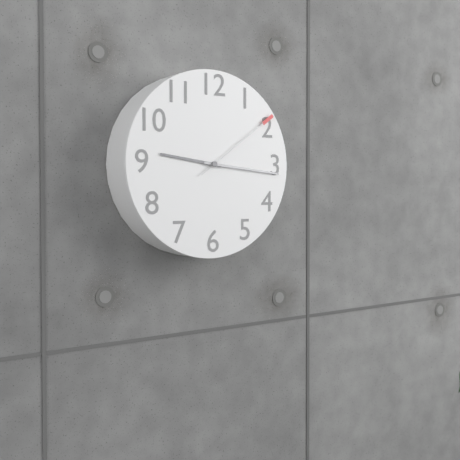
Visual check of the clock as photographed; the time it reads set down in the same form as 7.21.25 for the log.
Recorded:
9.16.09
